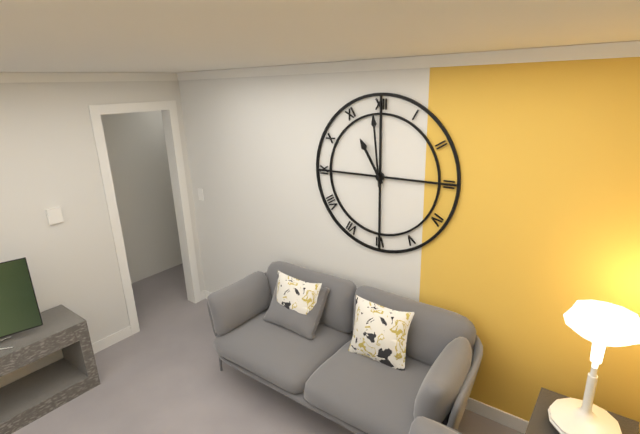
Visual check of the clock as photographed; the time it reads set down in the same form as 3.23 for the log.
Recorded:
10.59
